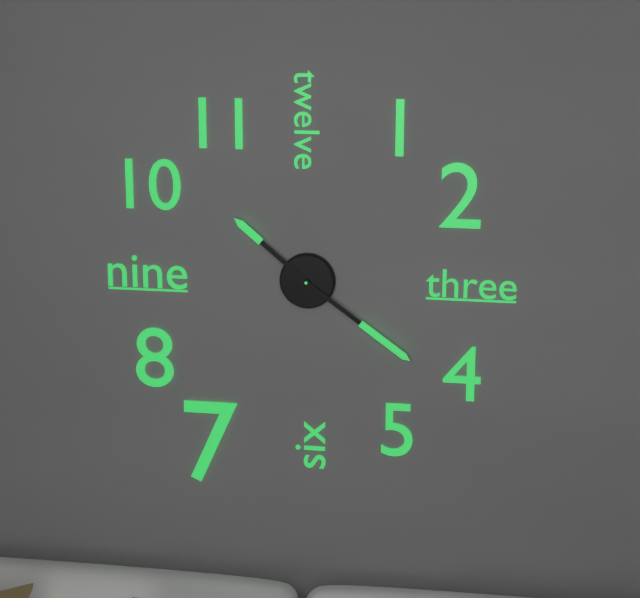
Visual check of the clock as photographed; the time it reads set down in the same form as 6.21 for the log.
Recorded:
10.21
